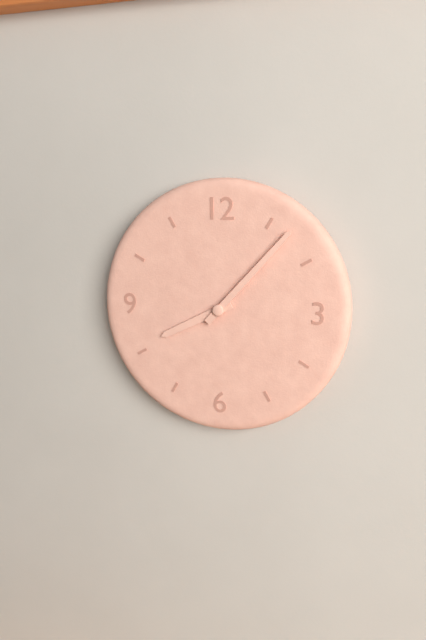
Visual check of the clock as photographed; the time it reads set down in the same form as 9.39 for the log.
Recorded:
8.07
